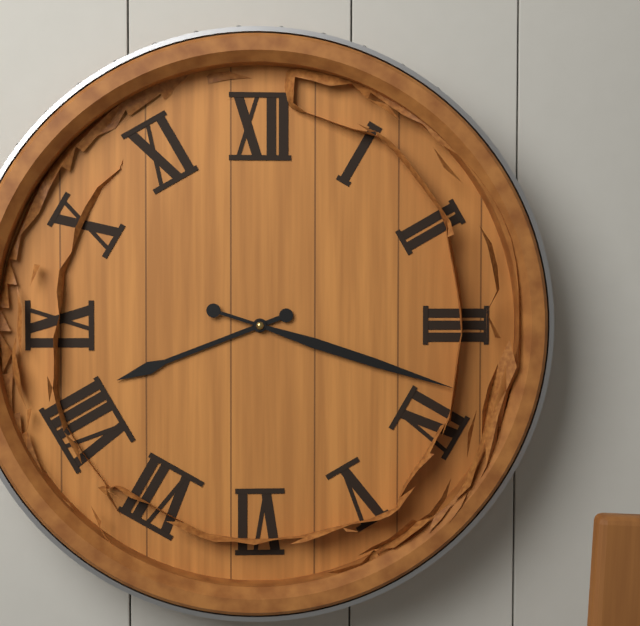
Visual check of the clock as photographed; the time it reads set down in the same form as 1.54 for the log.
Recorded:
8.18
